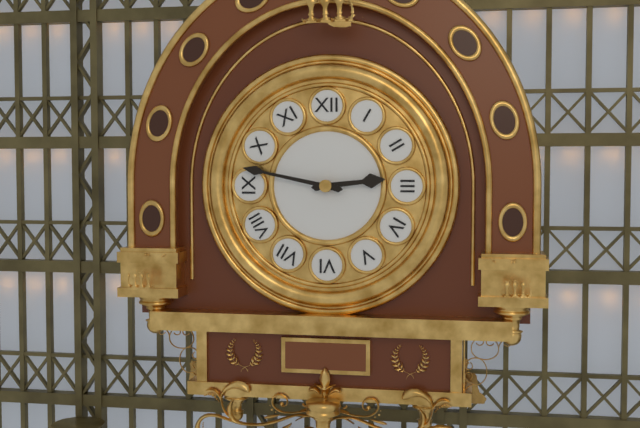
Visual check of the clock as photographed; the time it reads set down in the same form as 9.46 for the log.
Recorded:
2.47
